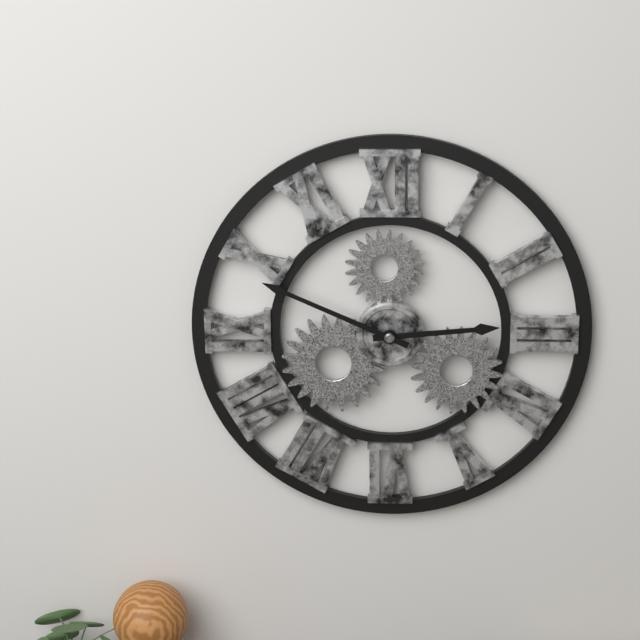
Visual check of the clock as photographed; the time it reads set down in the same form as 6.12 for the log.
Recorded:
2.49
